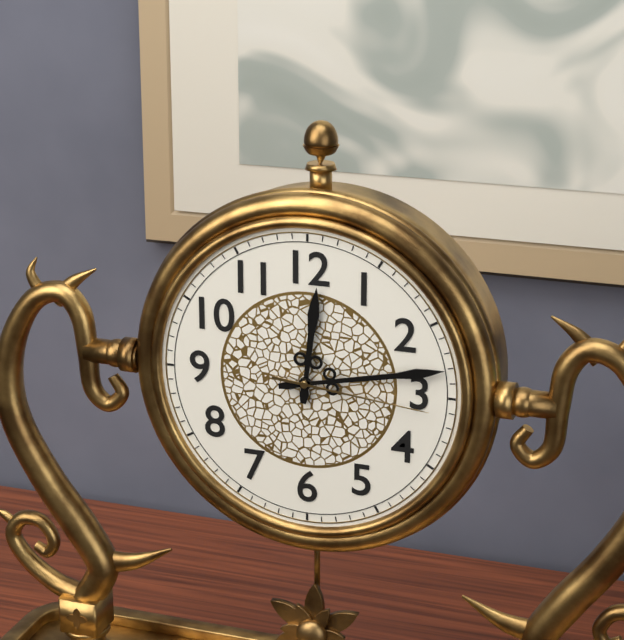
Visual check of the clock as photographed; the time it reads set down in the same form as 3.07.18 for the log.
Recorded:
12.13.16
